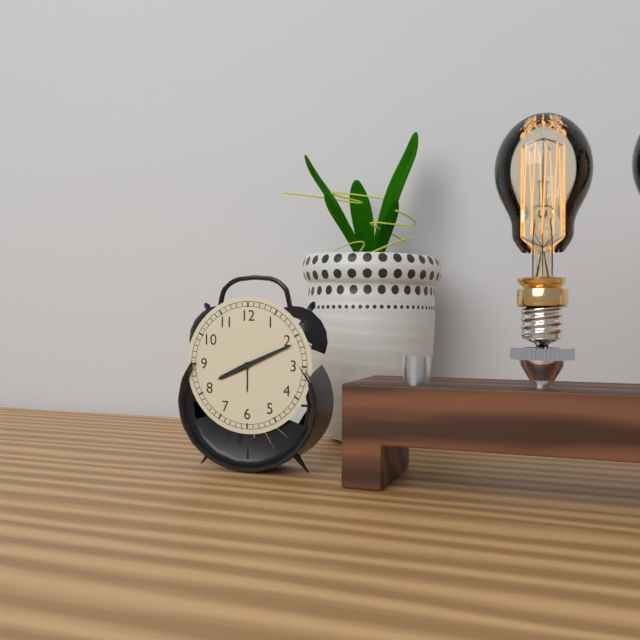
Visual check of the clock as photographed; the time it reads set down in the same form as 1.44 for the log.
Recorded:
8.11
